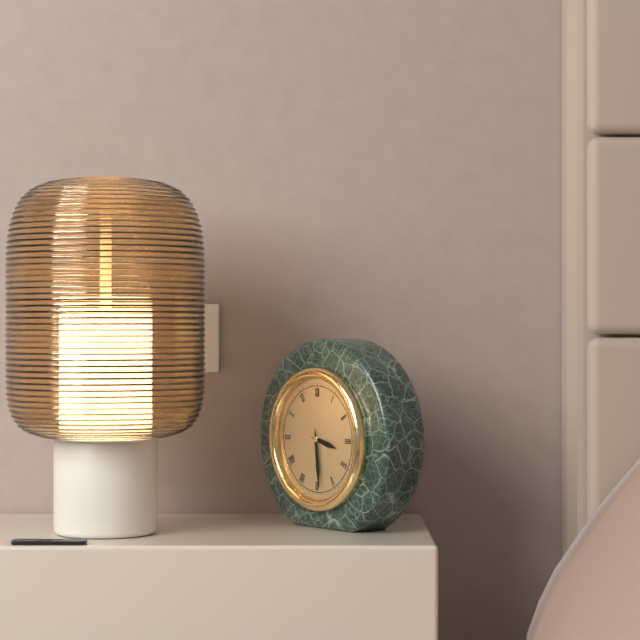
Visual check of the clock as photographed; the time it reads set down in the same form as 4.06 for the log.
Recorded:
3.29
